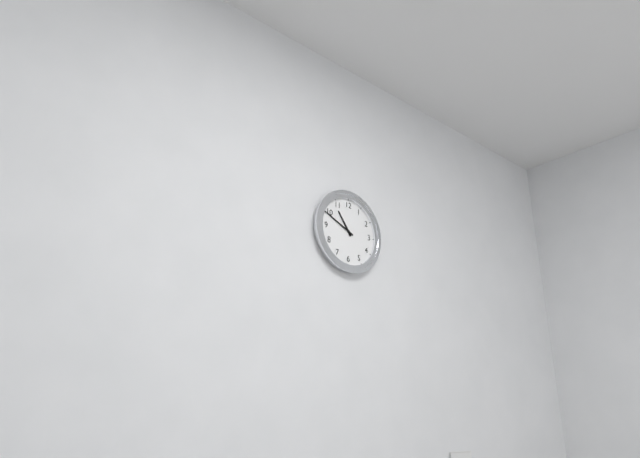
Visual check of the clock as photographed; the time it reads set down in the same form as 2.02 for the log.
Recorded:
10.49
